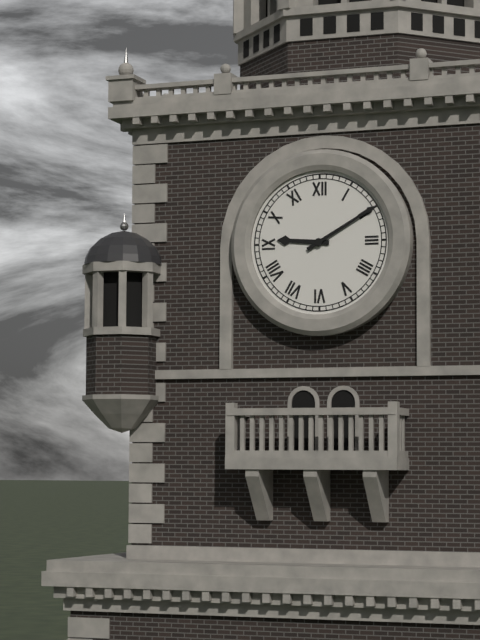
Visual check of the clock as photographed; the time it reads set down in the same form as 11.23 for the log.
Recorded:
9.10
